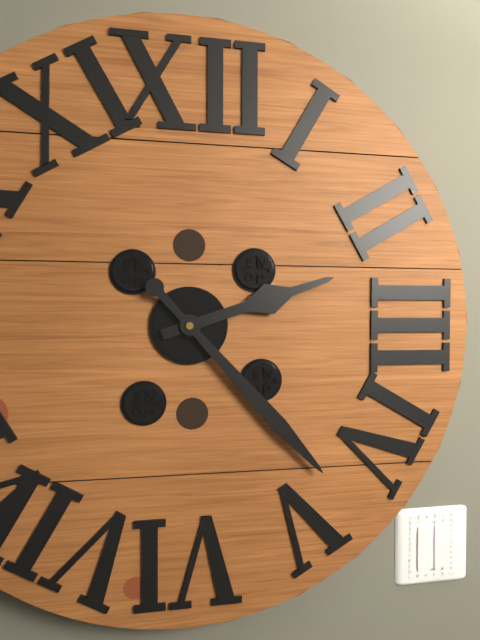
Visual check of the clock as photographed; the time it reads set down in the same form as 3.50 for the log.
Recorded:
2.23
